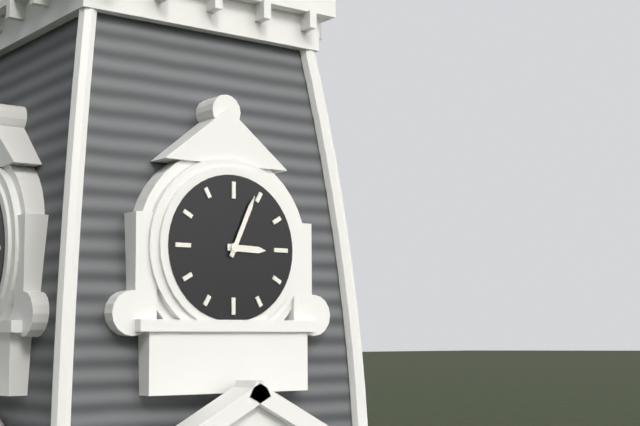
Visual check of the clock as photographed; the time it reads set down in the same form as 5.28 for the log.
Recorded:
3.04
